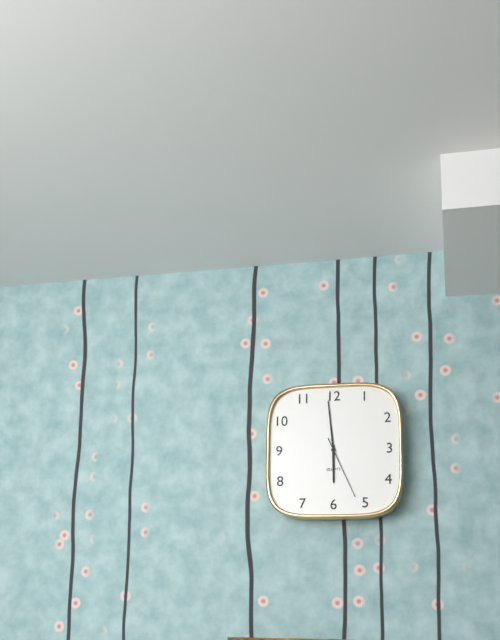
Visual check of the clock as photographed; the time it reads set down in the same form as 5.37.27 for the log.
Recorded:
5.59.26
